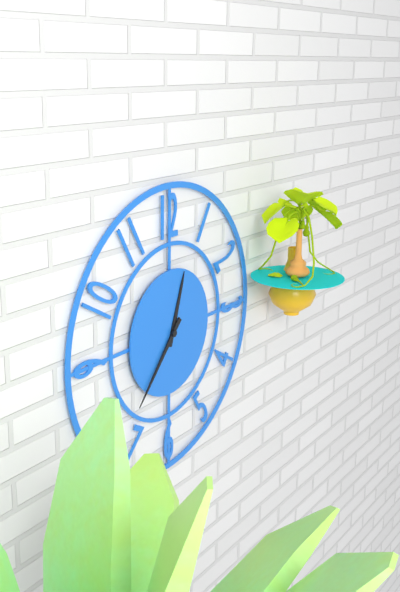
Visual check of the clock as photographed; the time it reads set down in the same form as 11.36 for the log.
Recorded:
12.37
